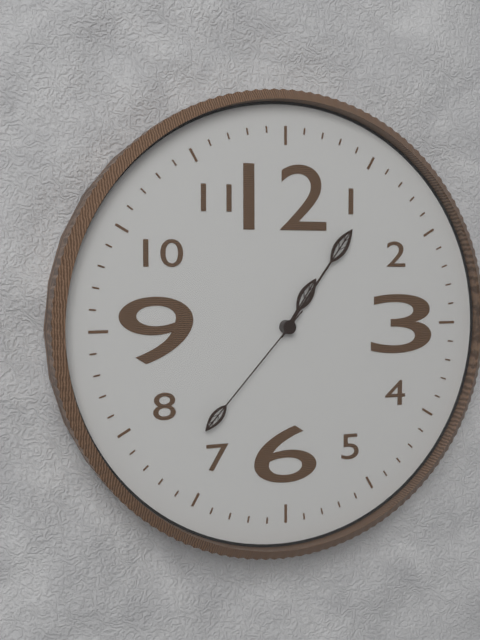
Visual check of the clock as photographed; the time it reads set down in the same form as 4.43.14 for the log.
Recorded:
1.06.37
